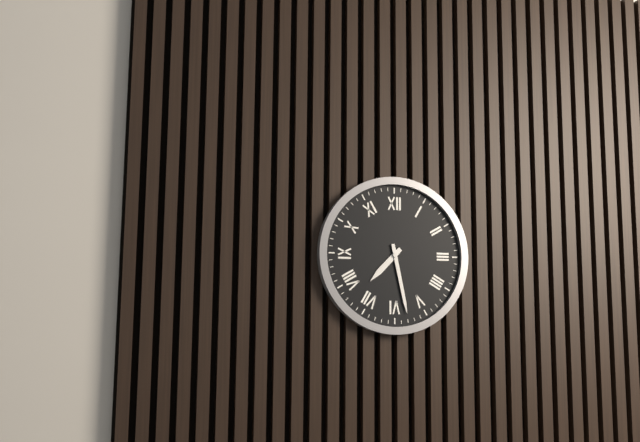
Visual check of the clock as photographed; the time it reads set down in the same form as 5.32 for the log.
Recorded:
7.28
